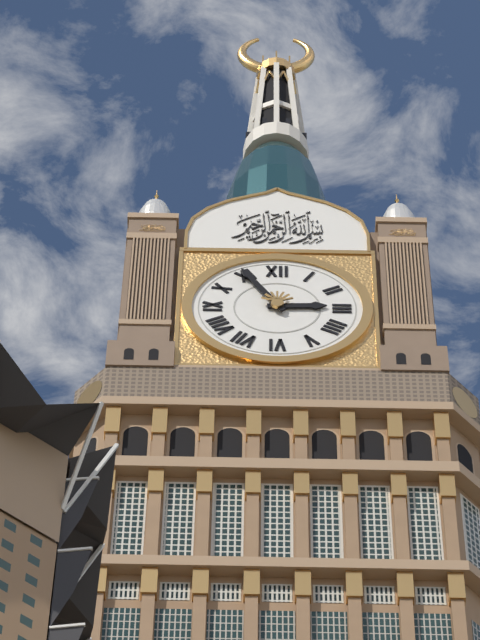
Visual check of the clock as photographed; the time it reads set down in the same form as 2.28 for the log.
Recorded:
2.55
